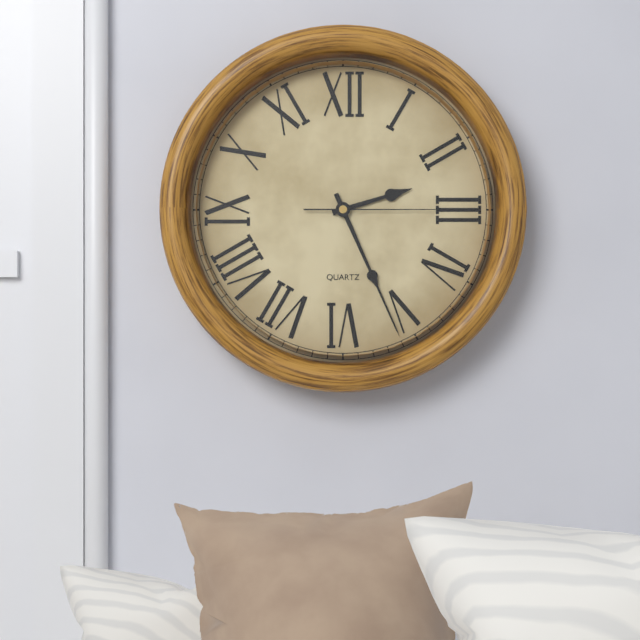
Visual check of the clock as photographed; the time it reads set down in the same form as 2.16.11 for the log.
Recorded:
2.26.15
